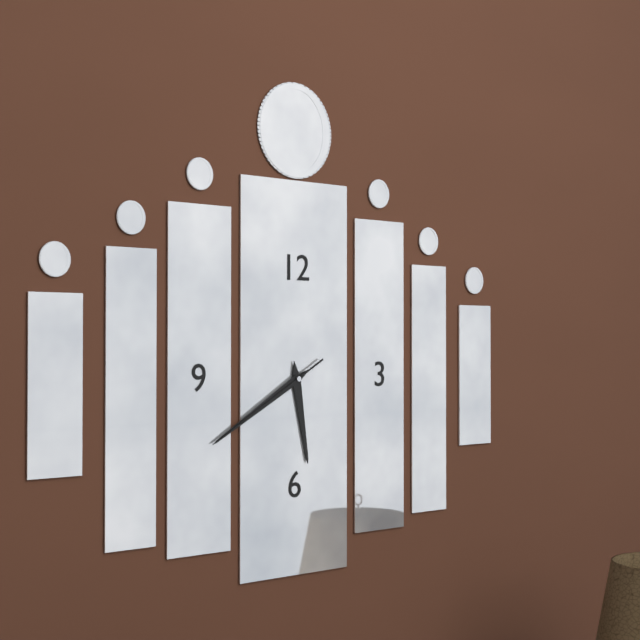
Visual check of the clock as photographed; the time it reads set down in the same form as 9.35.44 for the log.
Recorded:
5.40.40
